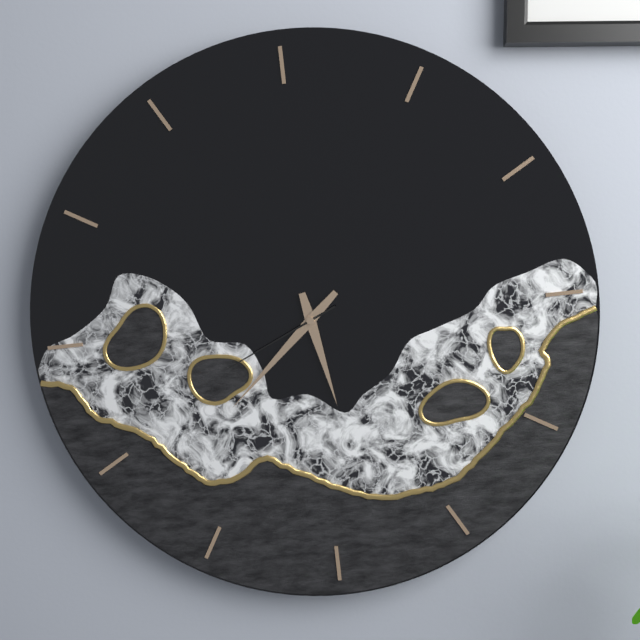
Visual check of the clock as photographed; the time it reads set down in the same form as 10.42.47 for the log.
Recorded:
5.38.41
